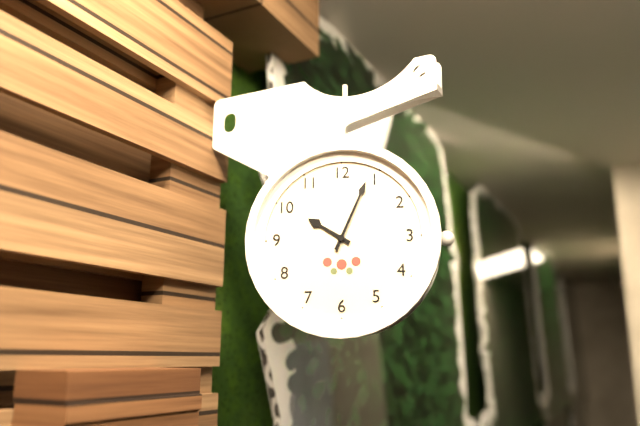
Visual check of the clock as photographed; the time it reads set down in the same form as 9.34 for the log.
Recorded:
10.04
